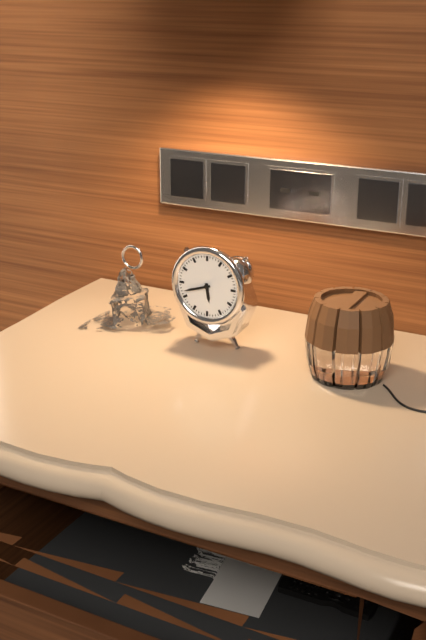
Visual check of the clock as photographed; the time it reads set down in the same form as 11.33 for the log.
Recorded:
5.42
